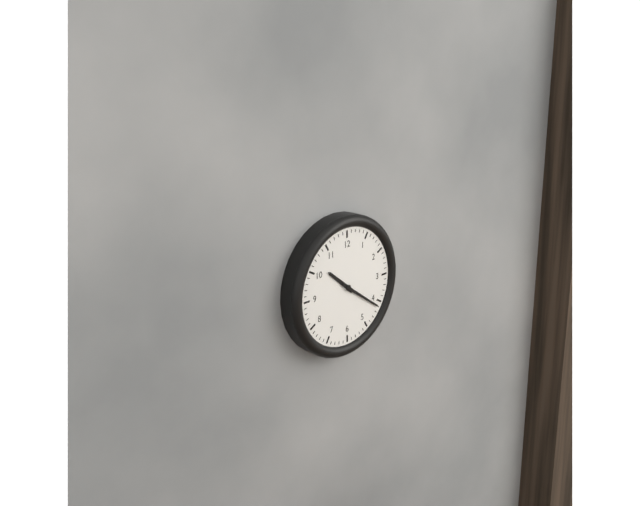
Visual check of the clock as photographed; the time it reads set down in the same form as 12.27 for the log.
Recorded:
10.21
